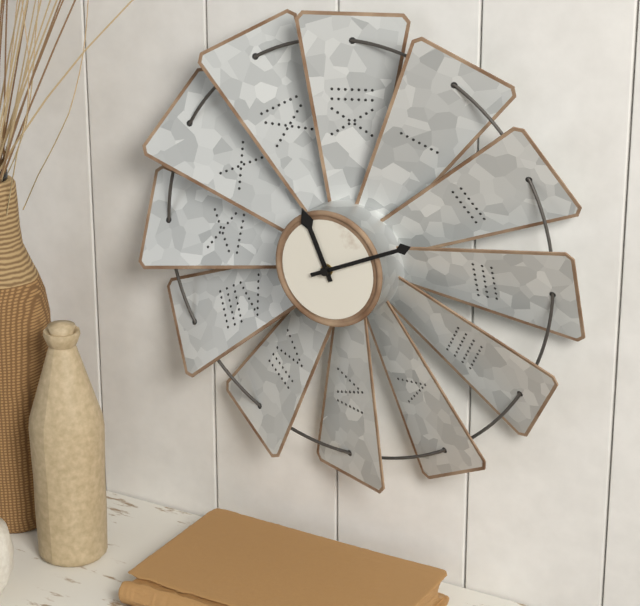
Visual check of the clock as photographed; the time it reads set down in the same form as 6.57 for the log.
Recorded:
11.11
